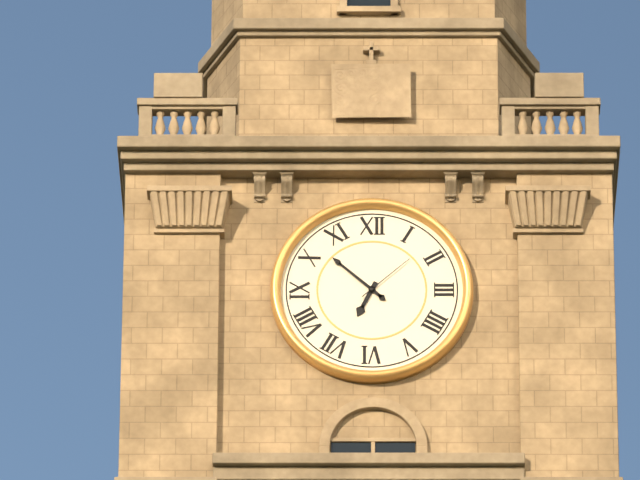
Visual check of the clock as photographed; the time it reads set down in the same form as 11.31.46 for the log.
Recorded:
6.52.08
